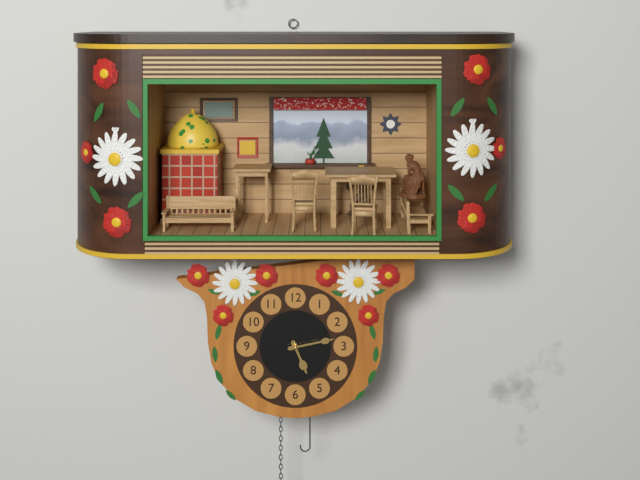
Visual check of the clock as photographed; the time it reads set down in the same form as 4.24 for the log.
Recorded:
5.13
